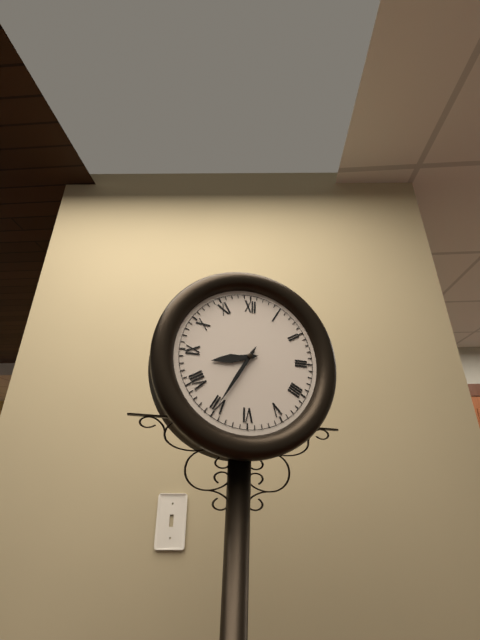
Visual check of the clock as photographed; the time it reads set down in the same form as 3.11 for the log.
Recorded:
8.35
